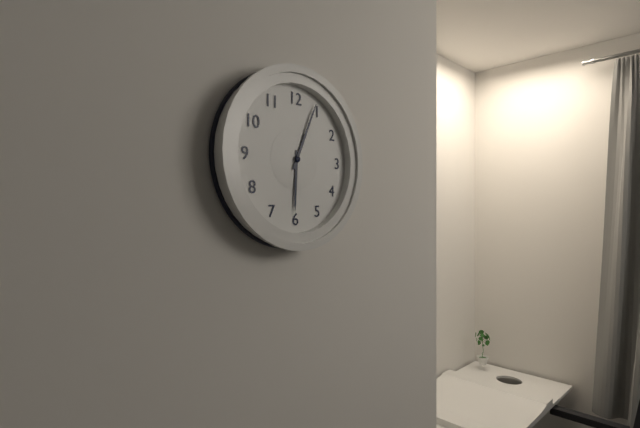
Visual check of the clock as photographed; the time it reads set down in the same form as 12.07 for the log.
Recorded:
6.04
